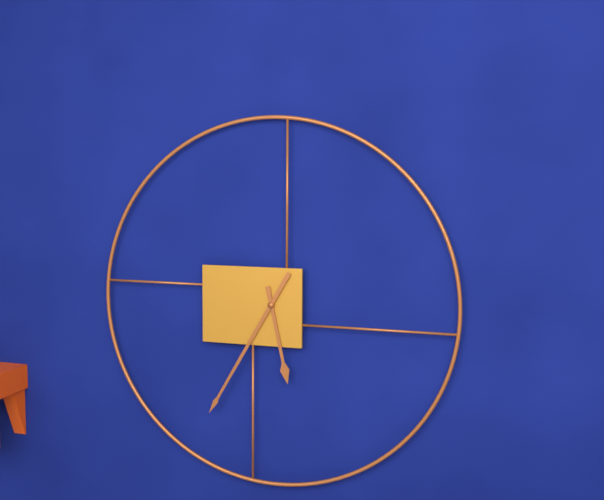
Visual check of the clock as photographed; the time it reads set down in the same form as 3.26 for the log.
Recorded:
5.35
